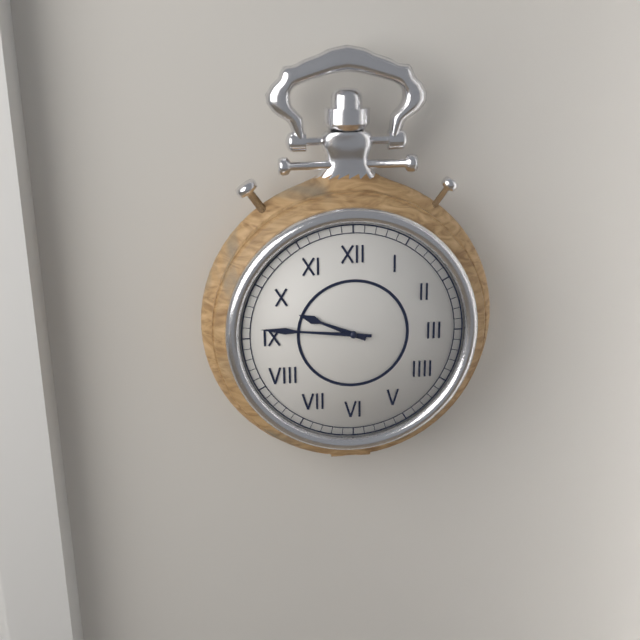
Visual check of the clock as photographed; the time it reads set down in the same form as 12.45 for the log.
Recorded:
9.46
